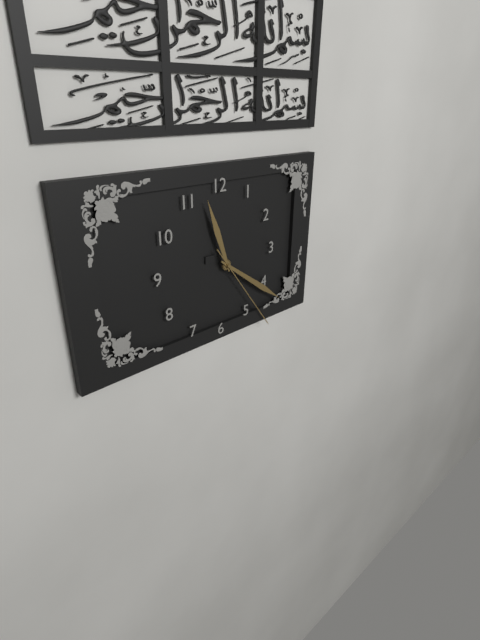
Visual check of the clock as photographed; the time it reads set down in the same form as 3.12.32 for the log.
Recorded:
11.21.24
